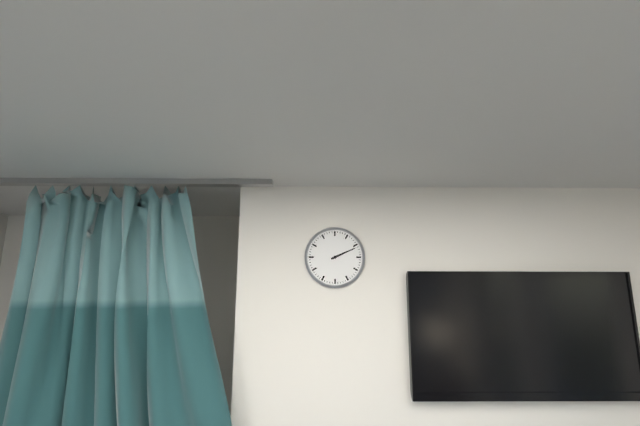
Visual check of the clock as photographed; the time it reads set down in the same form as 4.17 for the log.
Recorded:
2.11
